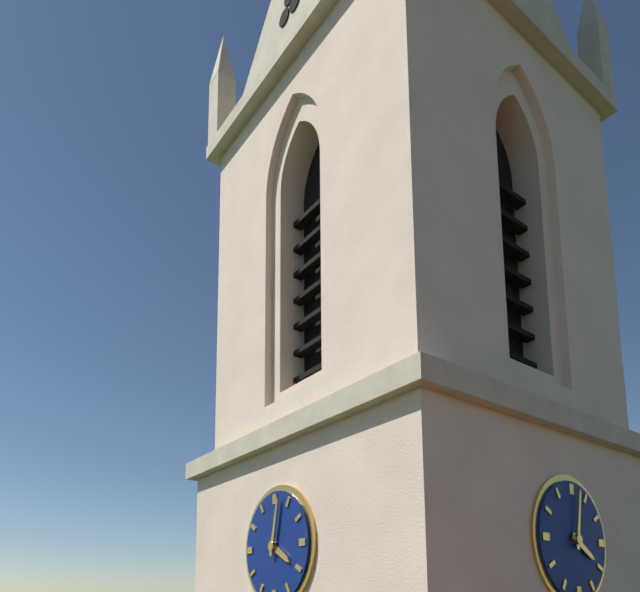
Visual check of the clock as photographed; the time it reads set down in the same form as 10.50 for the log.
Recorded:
4.02
